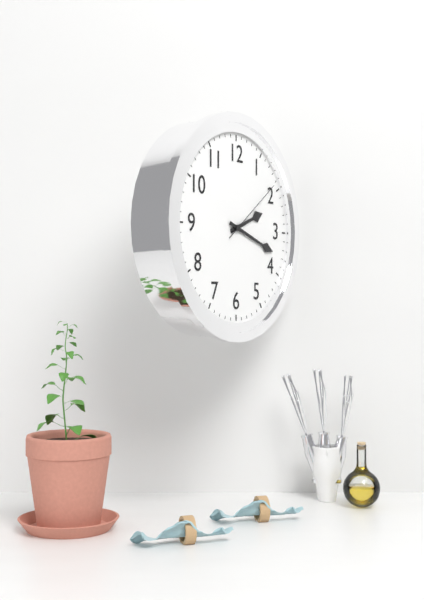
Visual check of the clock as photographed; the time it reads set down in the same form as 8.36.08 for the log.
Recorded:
2.18.09
